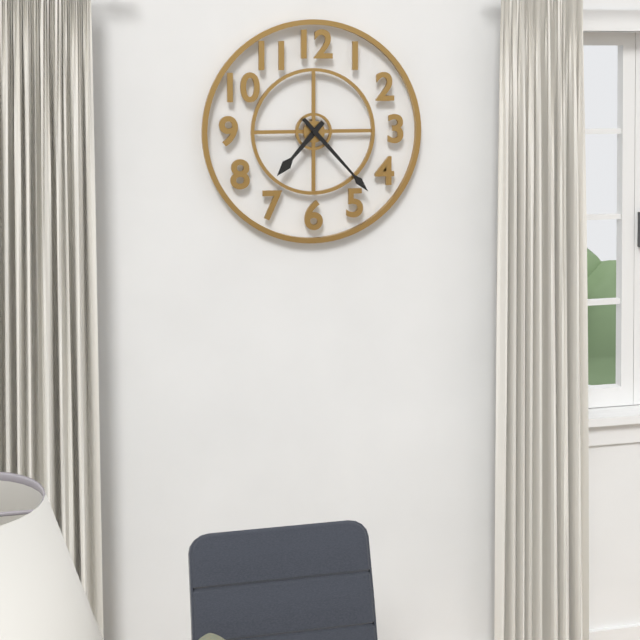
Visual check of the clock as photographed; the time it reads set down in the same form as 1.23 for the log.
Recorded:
7.23
